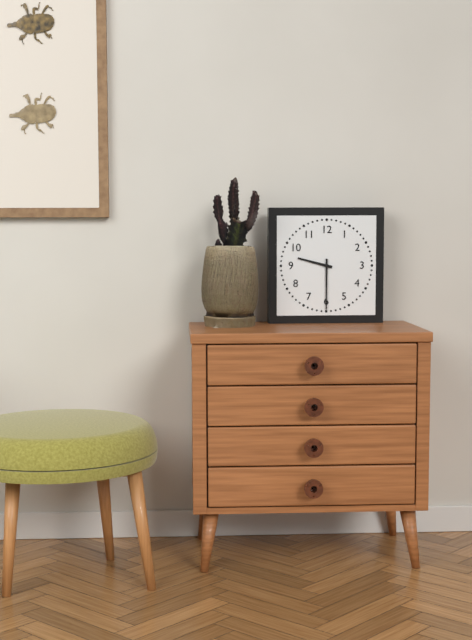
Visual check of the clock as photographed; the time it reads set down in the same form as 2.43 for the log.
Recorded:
9.30
